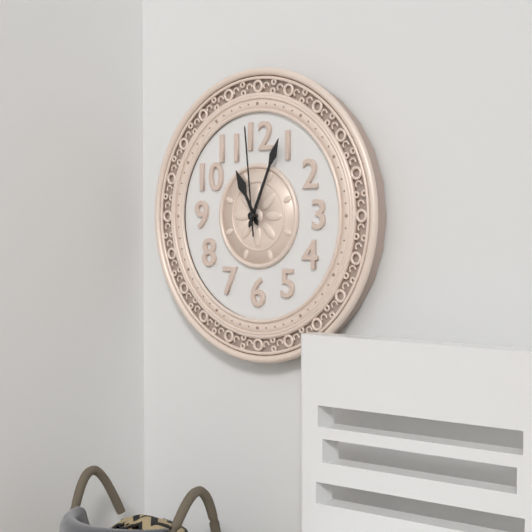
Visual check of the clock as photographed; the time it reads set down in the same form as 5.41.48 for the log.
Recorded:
11.04.59
